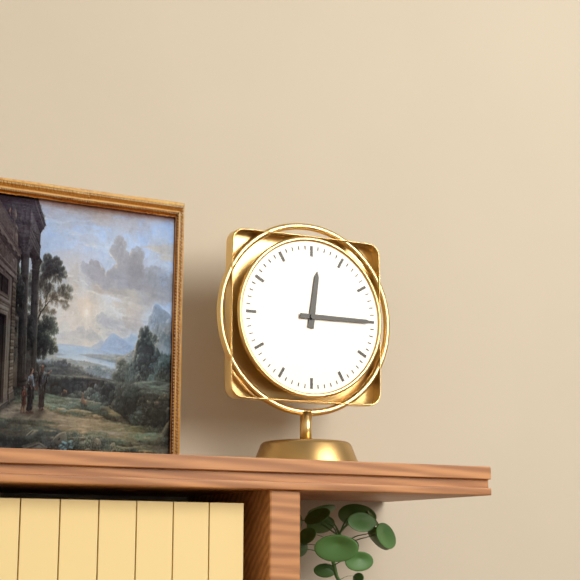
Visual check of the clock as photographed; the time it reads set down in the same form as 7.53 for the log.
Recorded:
12.15
